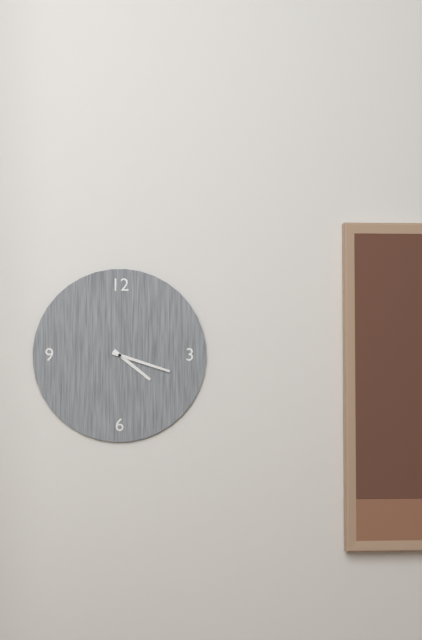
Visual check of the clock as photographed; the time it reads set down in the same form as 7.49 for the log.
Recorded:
4.18
